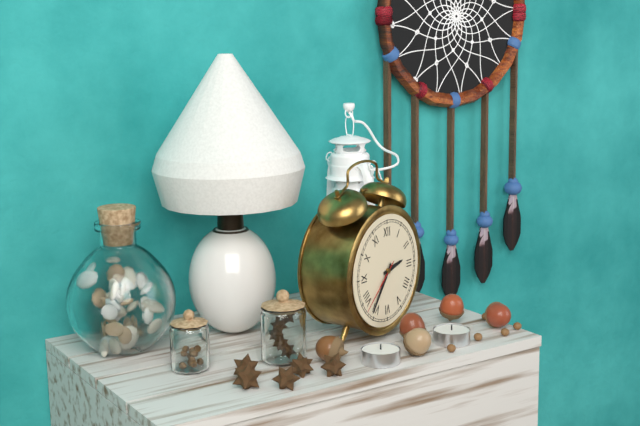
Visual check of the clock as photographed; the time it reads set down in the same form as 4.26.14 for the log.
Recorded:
2.36.38
